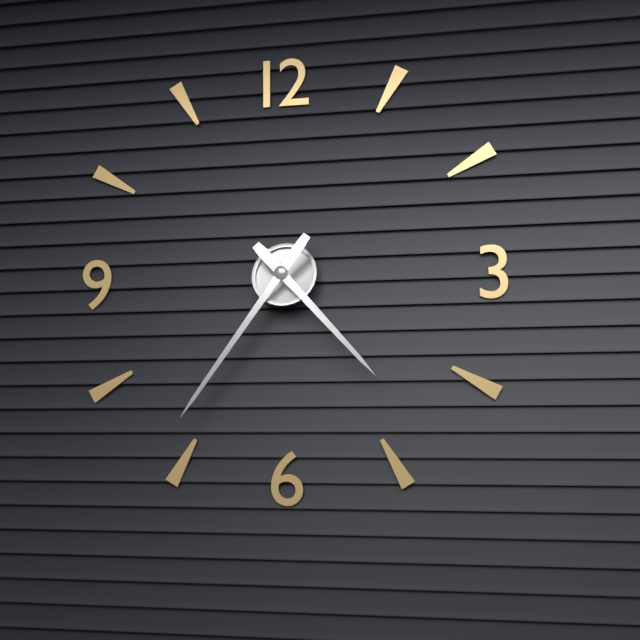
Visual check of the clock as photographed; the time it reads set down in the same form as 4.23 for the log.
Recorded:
4.36
